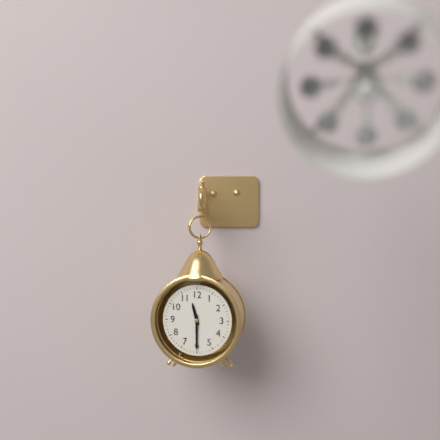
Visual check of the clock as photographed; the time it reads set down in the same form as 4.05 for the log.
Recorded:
11.30
